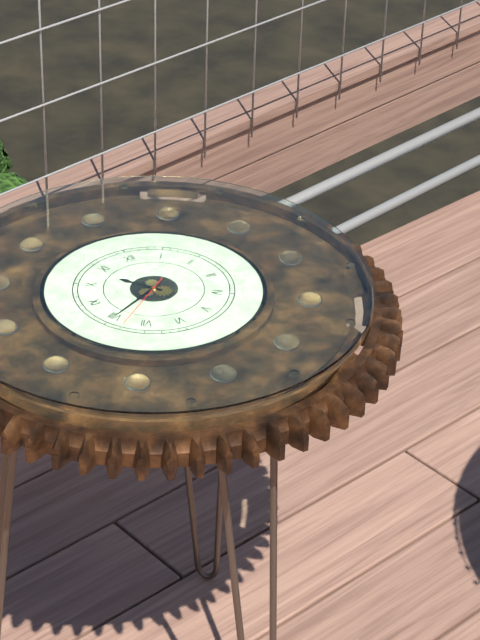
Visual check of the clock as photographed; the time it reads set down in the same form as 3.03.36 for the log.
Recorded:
10.40.38
